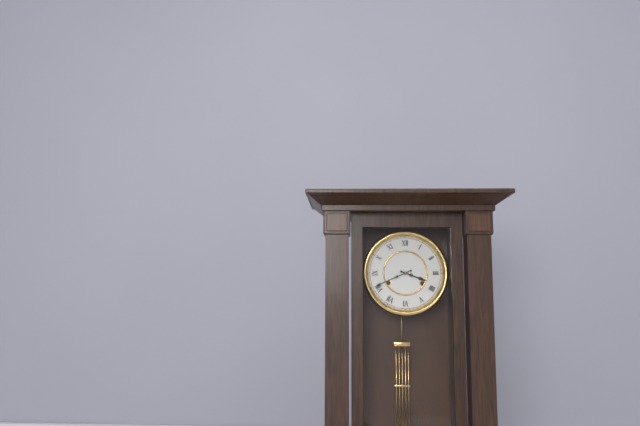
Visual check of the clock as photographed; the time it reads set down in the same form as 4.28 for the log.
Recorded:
3.41
